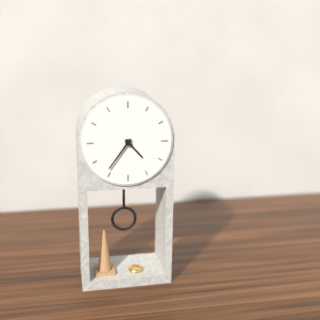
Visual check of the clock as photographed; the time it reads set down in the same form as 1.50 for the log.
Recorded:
4.36
